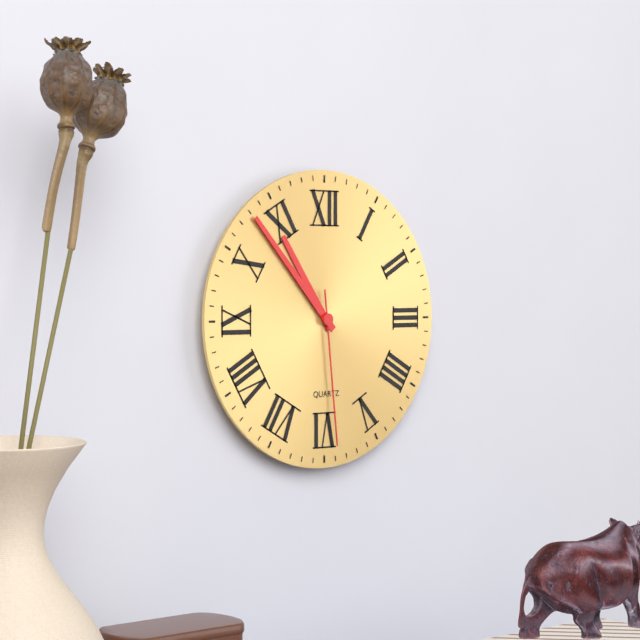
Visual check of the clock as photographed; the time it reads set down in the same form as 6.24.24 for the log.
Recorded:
10.53.29
